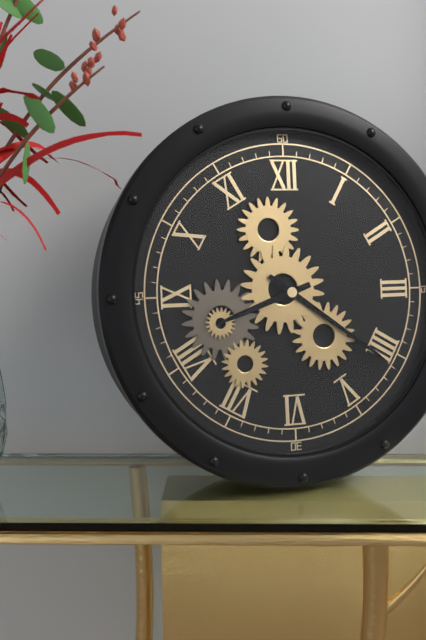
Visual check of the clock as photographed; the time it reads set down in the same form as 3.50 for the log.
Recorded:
8.21
